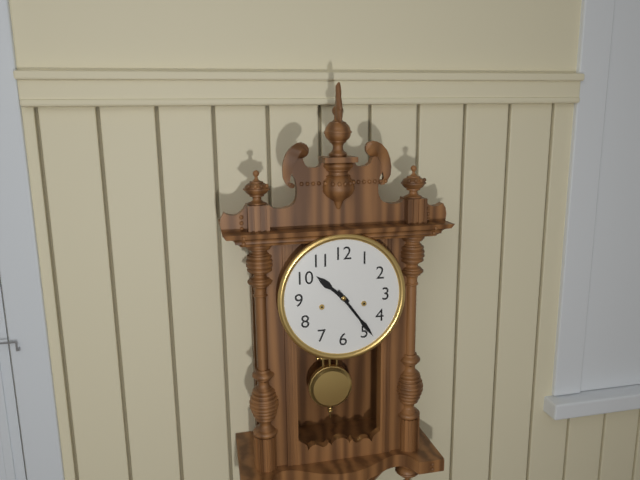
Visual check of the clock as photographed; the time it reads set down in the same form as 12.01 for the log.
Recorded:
10.24
